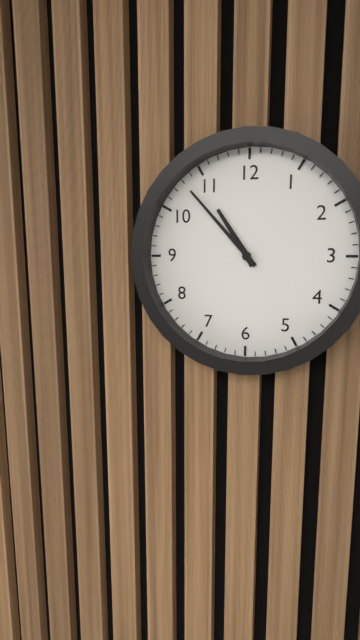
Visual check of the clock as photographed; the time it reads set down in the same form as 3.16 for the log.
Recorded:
10.53
